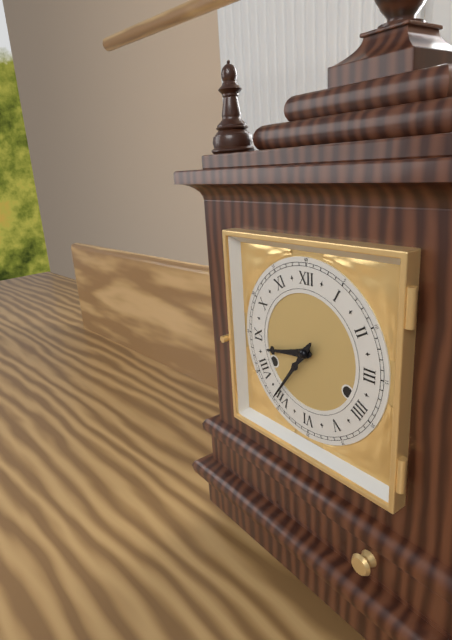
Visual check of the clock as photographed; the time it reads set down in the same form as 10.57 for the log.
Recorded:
8.36
